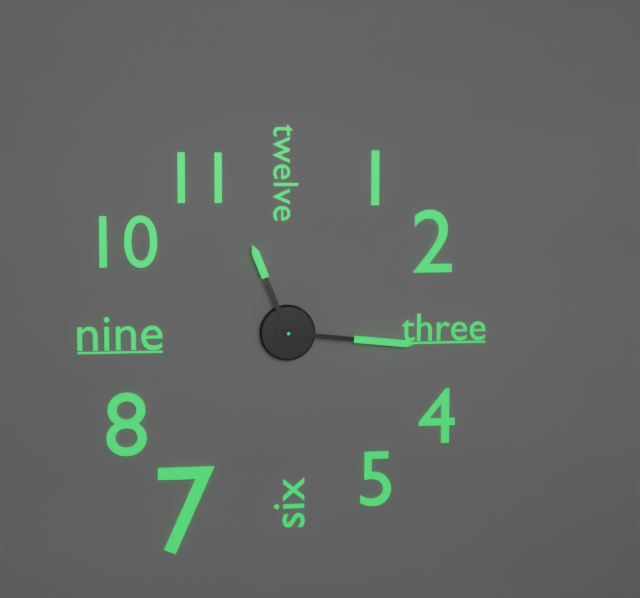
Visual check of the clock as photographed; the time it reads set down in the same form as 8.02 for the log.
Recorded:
11.16
